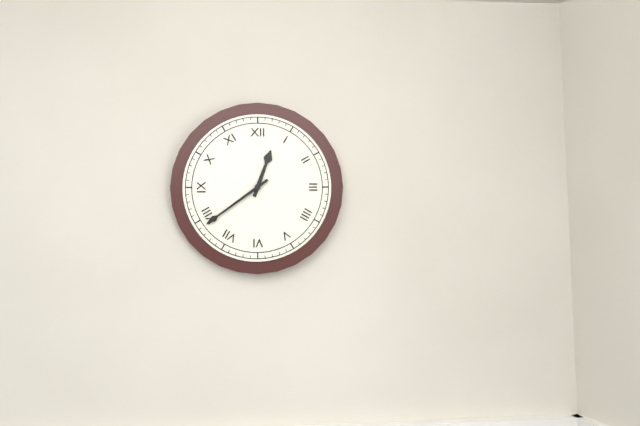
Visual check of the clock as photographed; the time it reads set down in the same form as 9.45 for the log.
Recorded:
12.39
